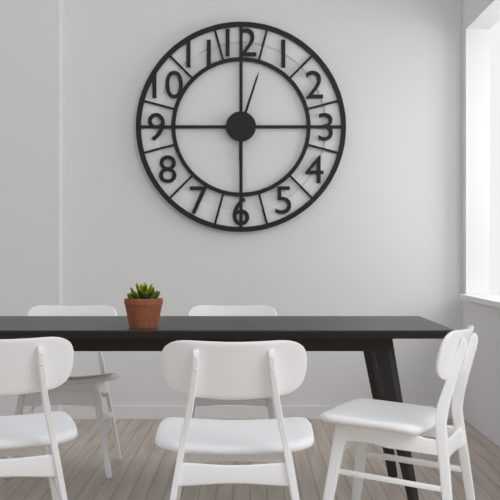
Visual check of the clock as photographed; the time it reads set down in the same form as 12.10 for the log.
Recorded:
6.03
